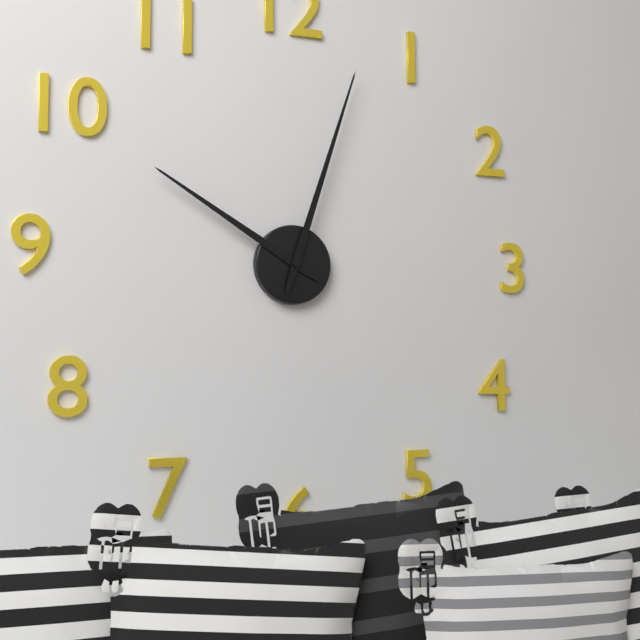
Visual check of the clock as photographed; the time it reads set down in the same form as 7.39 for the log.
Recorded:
10.03
